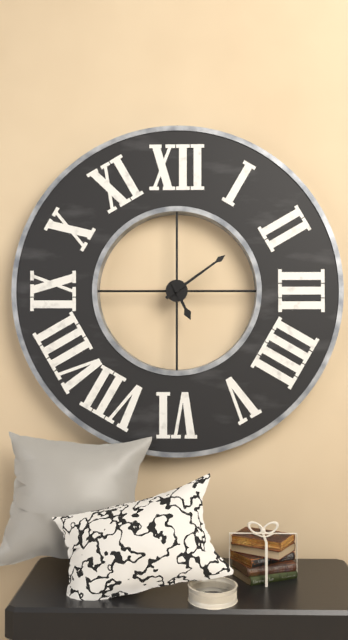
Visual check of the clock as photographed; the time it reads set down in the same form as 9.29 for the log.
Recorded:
5.09
